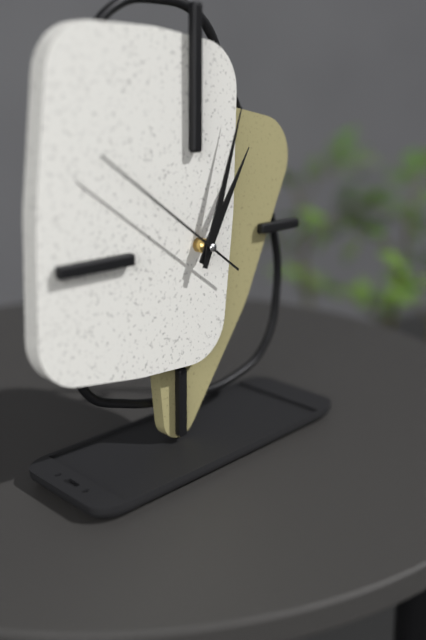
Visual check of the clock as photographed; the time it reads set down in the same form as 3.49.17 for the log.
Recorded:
1.03.51
